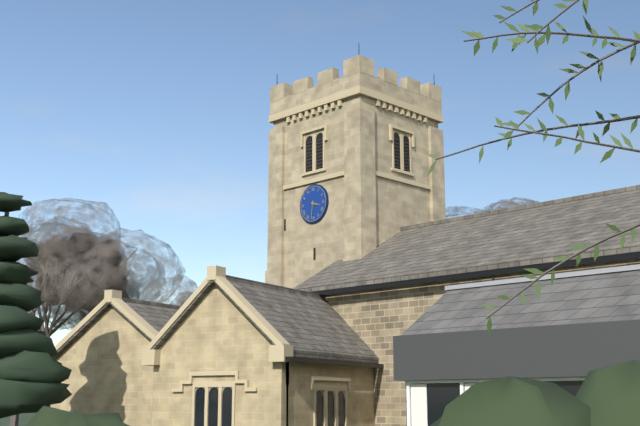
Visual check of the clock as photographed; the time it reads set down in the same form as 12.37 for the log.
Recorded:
3.31
